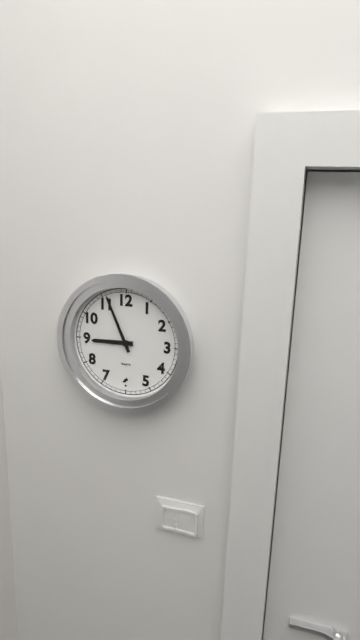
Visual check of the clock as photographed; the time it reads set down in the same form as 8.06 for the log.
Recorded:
8.56
